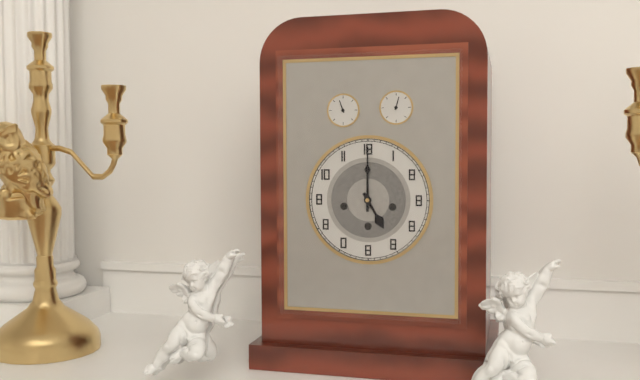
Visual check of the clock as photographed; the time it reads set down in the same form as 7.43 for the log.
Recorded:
5.00
